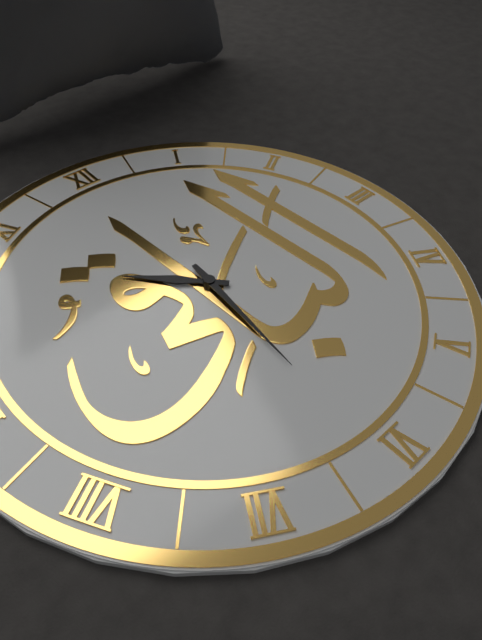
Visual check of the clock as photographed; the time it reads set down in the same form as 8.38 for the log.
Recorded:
10.31
